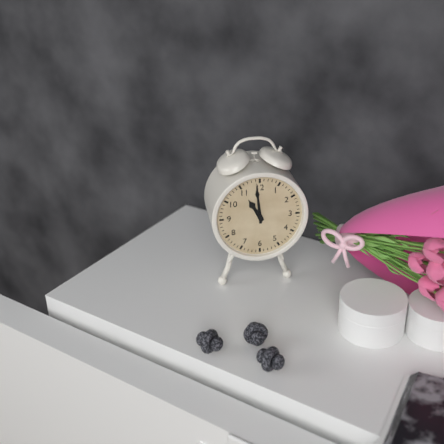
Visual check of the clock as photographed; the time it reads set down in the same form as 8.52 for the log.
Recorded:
10.59
